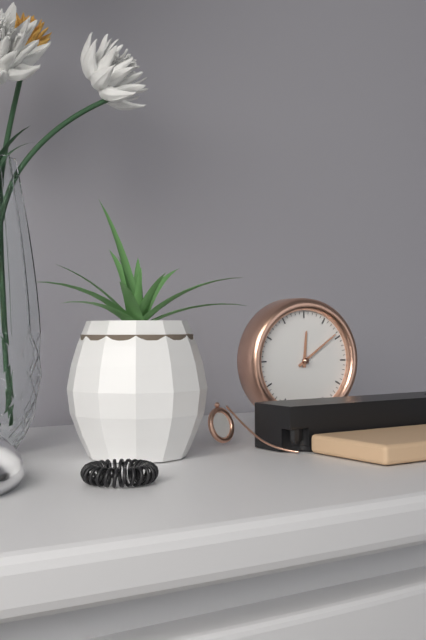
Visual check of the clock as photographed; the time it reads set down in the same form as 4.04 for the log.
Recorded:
12.09
